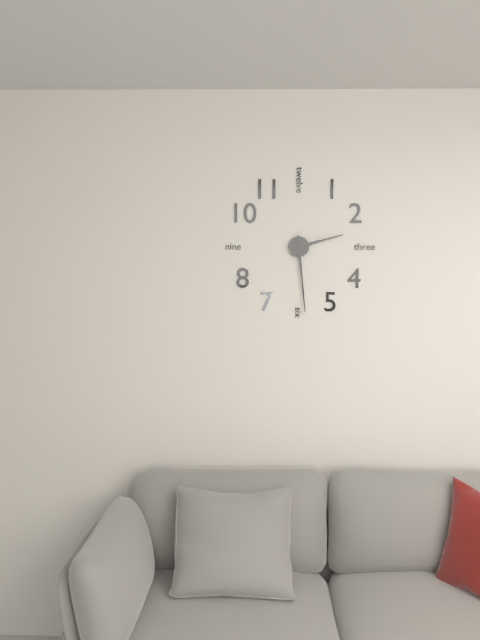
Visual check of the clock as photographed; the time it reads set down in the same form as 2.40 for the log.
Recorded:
2.29
